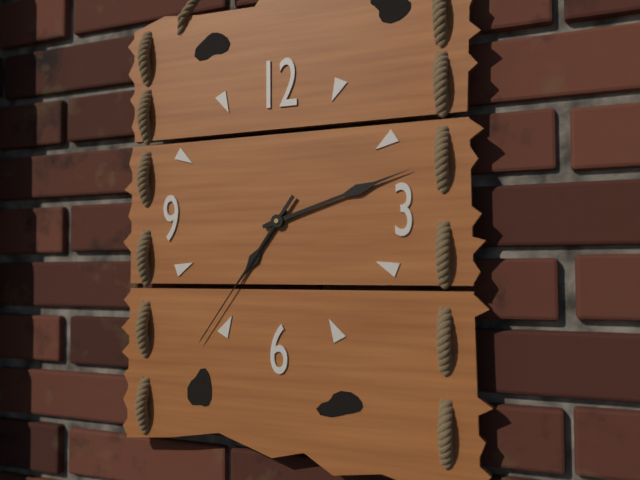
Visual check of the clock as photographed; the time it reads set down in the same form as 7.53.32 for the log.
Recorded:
7.12.36
